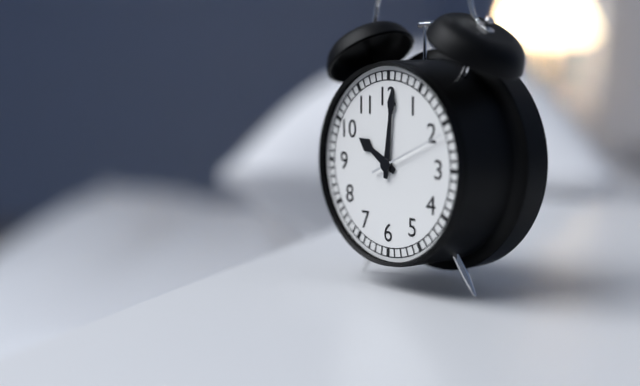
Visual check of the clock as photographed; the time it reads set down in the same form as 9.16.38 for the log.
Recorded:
10.01.11
